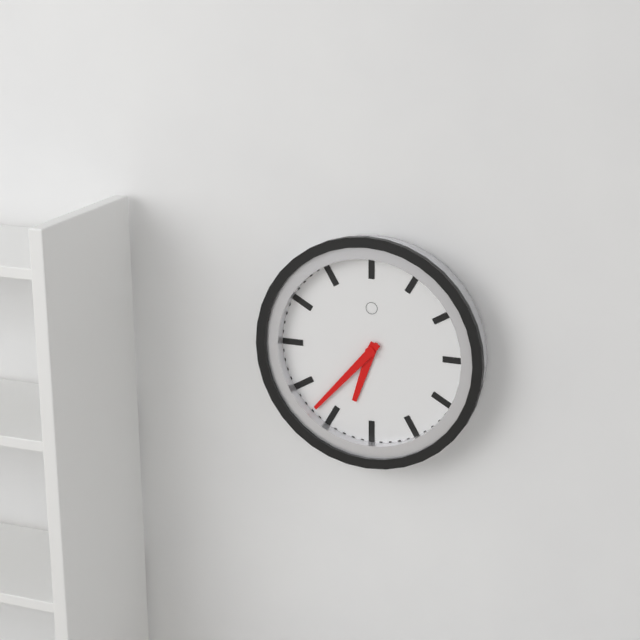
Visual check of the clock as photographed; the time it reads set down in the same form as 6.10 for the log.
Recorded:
6.37
